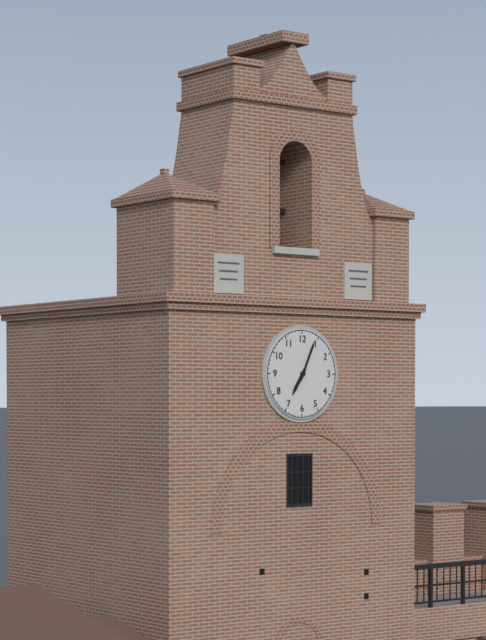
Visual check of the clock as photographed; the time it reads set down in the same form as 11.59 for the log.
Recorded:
7.04
